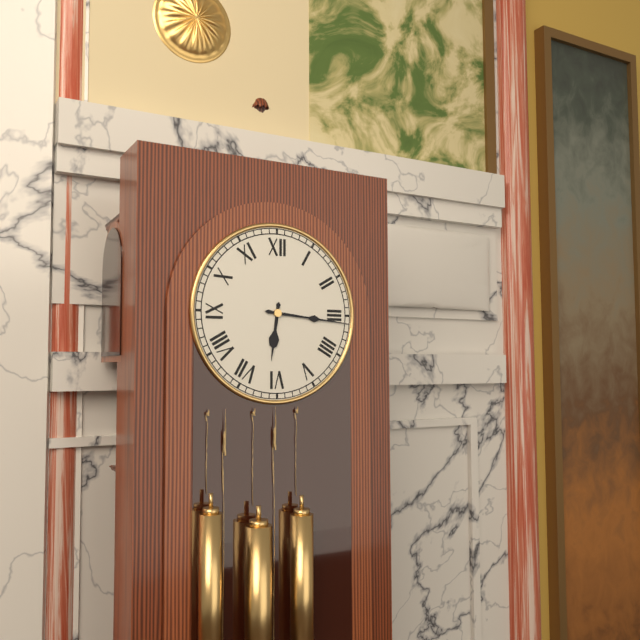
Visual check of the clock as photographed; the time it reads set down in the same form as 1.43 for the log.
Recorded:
6.16
